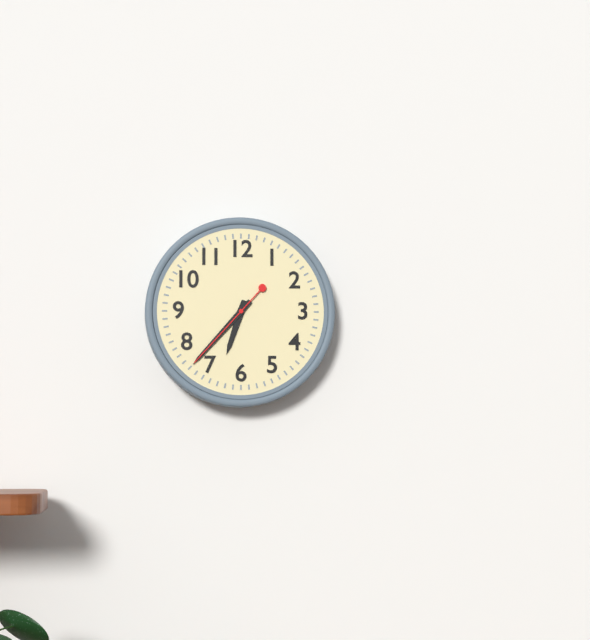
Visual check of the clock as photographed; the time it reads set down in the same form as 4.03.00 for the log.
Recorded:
6.37.37
